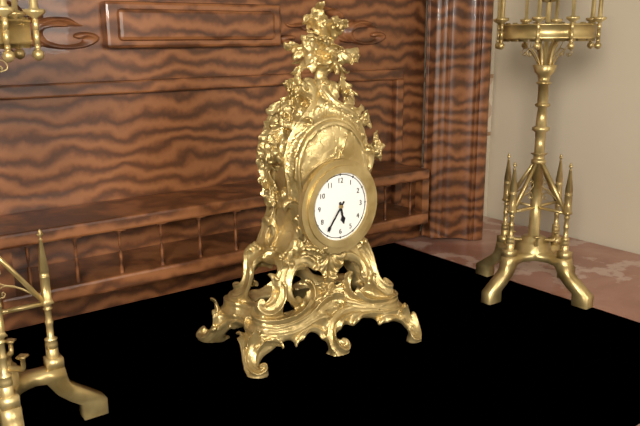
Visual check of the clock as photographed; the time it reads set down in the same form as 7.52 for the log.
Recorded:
5.36
